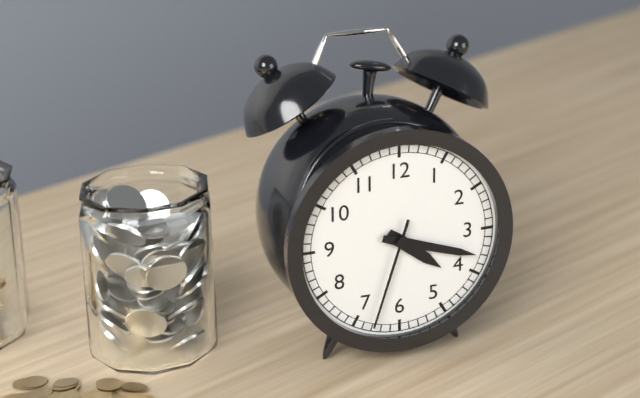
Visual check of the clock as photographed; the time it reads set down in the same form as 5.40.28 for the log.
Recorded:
4.18.33
